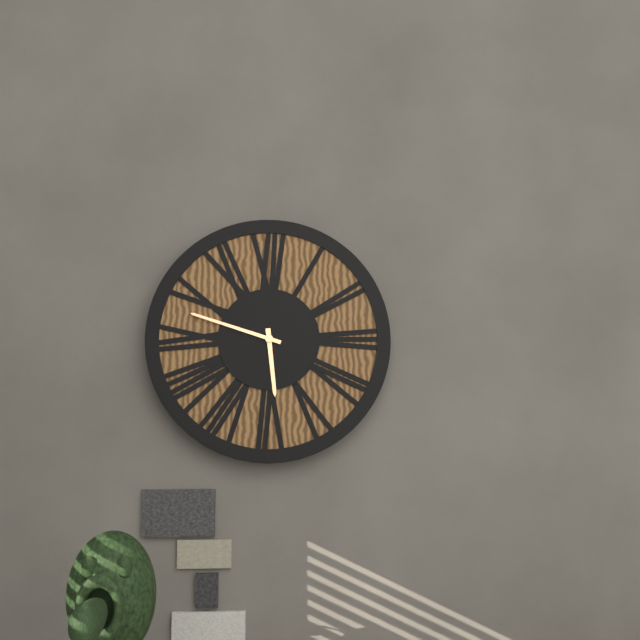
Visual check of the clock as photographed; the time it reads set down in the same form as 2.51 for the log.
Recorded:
5.48
